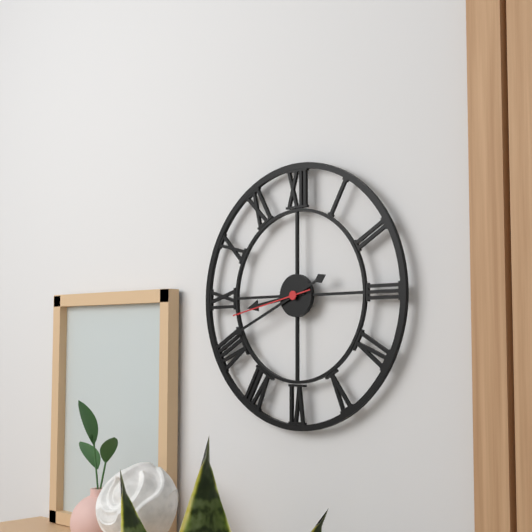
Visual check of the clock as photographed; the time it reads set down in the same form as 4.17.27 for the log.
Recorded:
8.41.43
